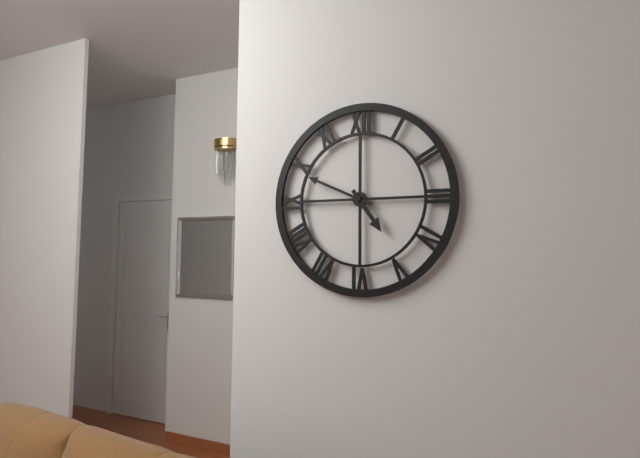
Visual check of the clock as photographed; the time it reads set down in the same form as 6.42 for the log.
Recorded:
4.49
